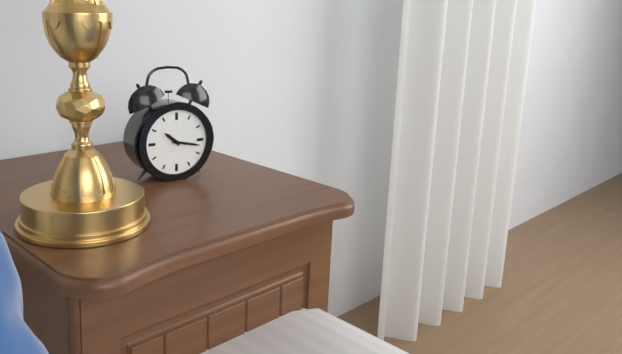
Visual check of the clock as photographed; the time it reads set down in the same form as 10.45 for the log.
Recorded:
10.17
